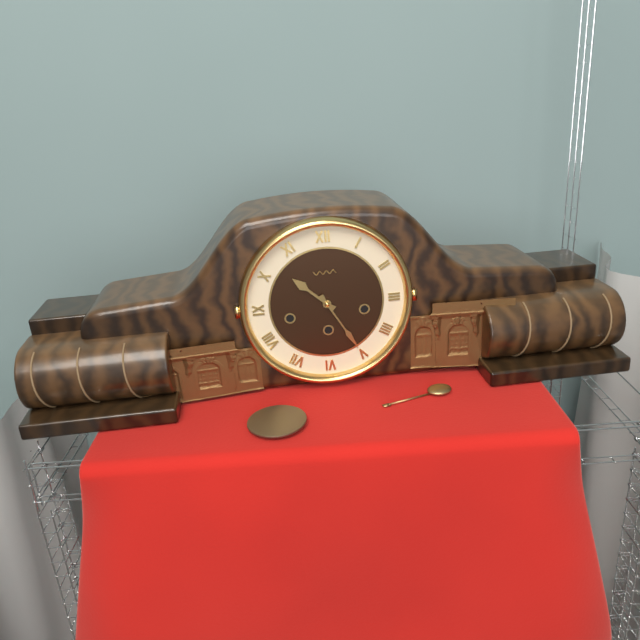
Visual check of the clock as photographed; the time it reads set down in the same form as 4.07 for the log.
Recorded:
10.25
